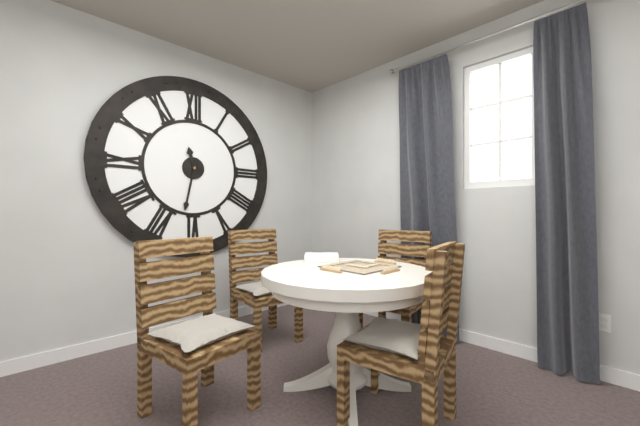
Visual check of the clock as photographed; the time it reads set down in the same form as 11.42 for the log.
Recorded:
11.32
